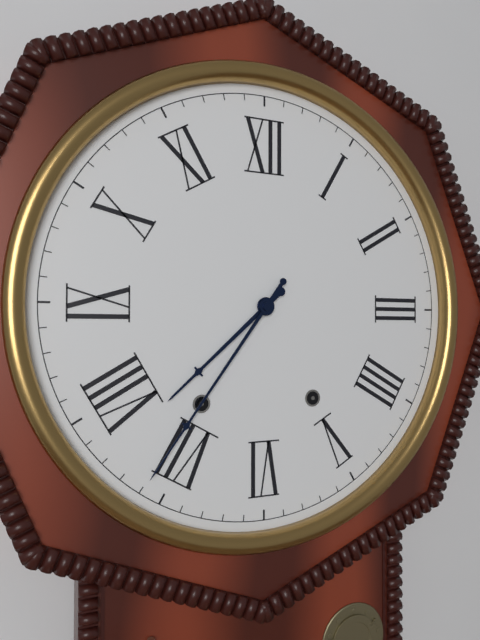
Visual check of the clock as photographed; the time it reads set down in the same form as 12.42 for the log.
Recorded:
7.36
